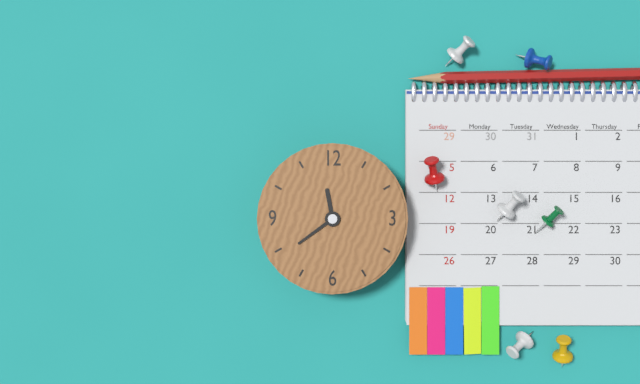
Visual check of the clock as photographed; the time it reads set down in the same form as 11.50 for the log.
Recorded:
11.39
